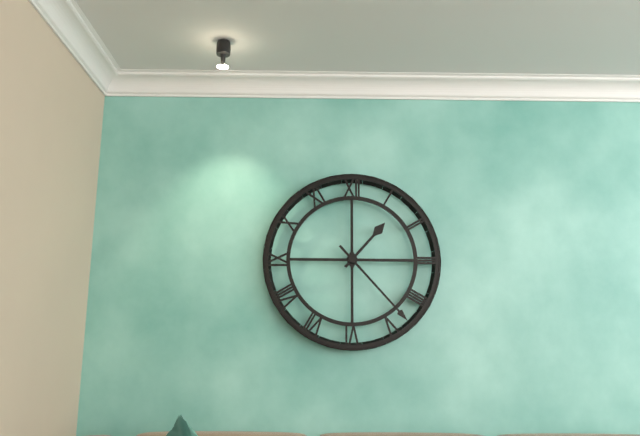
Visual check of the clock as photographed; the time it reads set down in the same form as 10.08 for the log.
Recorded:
1.23
